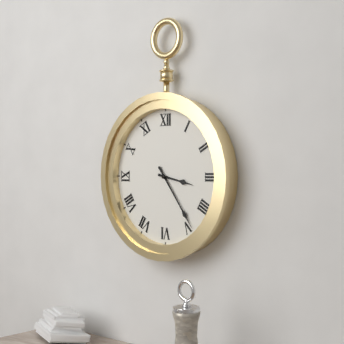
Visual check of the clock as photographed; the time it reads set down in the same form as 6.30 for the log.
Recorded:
3.24
